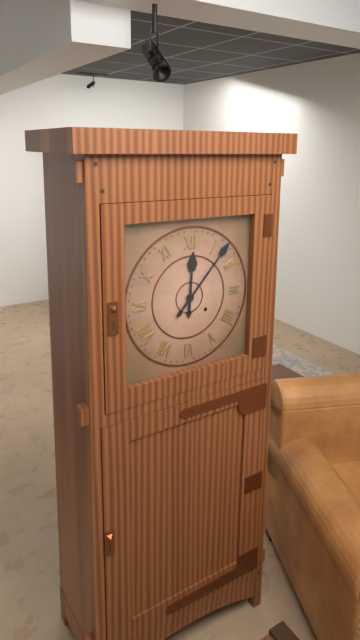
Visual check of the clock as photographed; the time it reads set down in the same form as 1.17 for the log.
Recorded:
12.07
